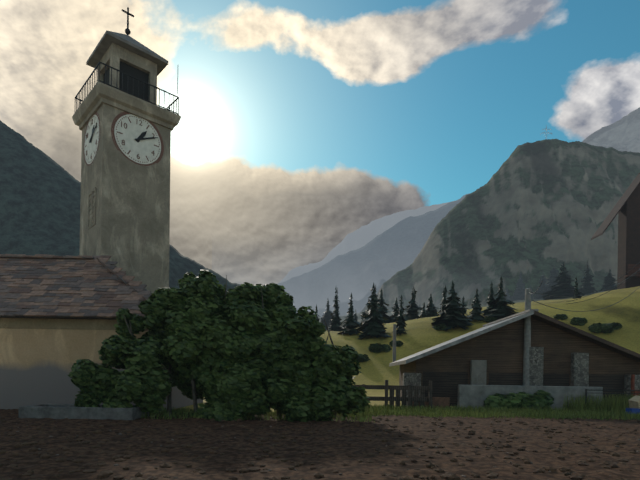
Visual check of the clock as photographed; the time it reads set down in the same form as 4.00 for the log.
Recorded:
1.11
